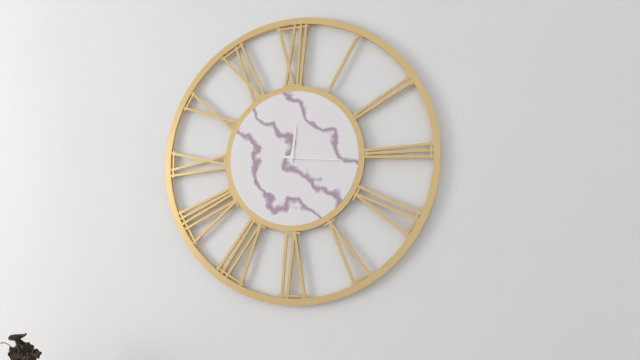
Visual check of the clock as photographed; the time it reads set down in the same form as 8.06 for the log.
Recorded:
12.16
